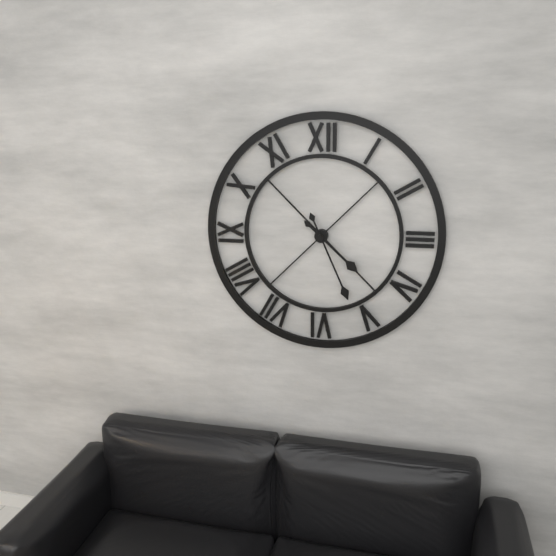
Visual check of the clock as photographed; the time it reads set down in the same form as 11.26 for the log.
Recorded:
4.26
